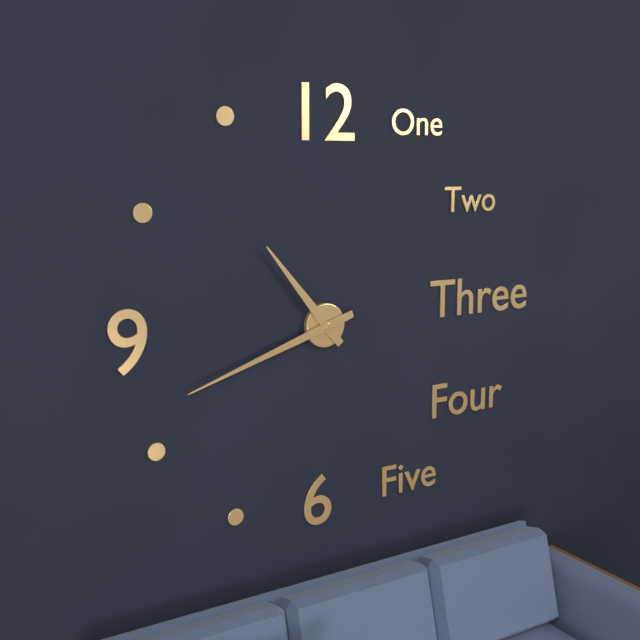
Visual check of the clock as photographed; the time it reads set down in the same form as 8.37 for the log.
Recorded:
10.42
